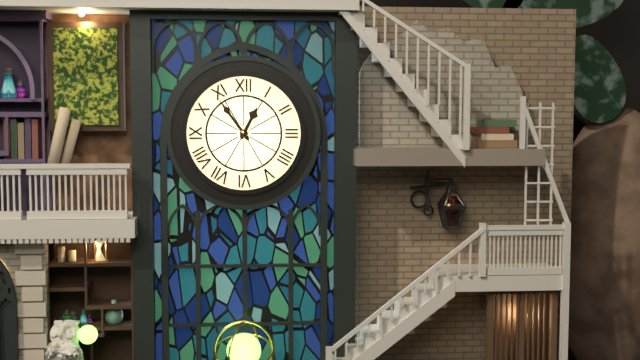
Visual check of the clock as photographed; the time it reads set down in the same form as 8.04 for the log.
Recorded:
12.54
